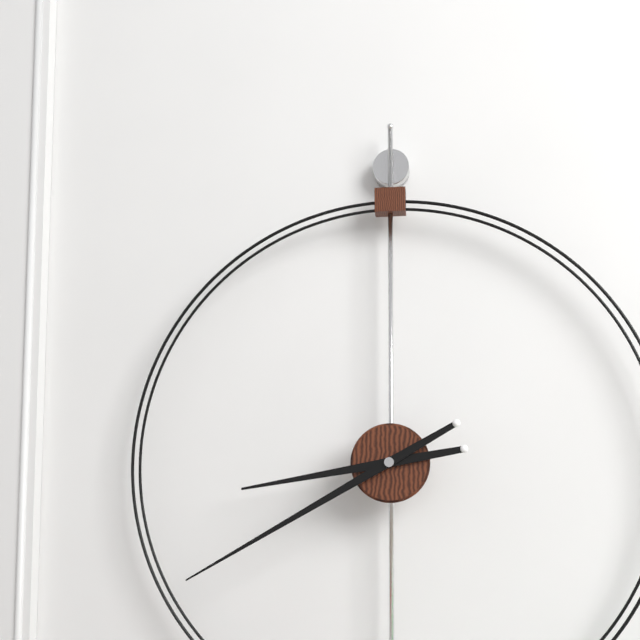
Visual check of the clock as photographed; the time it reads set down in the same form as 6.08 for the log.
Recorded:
8.40
